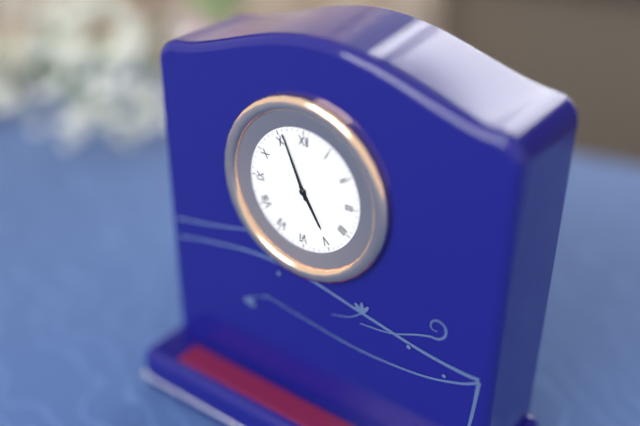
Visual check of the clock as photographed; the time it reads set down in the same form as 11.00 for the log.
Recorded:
4.56
